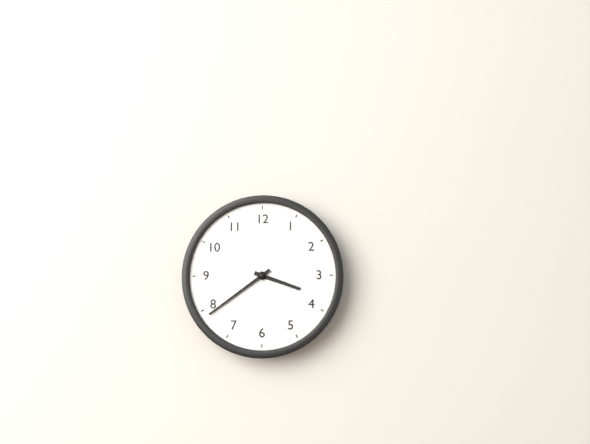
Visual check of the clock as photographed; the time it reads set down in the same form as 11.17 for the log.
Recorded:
3.39
